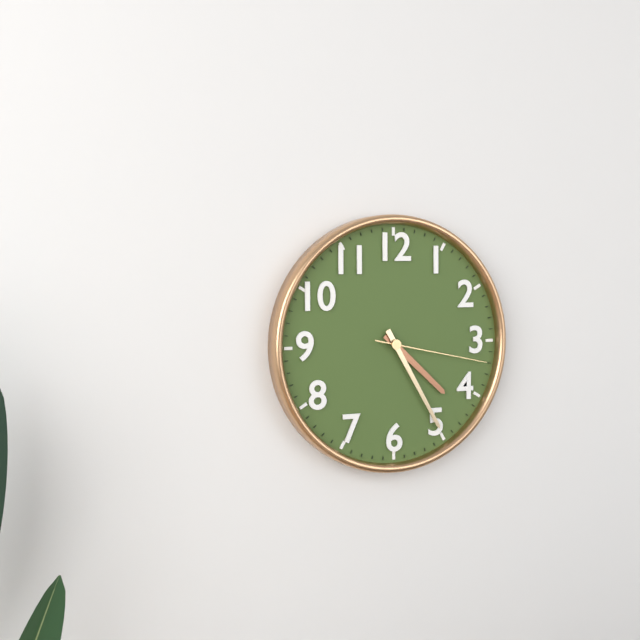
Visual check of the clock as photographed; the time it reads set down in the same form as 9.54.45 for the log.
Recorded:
4.25.17
